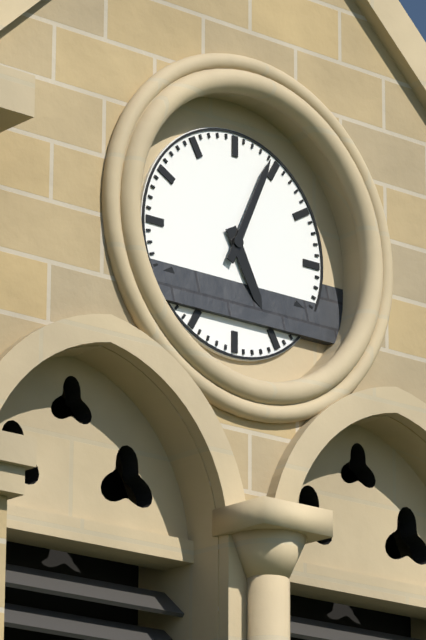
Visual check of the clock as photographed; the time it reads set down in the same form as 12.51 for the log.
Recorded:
5.04
